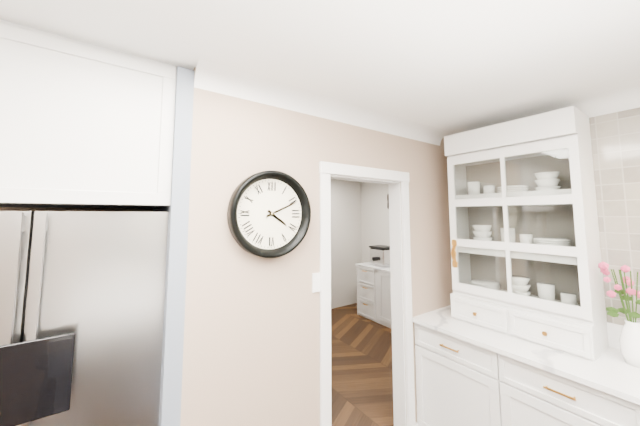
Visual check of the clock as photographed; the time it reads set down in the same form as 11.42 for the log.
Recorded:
4.11
